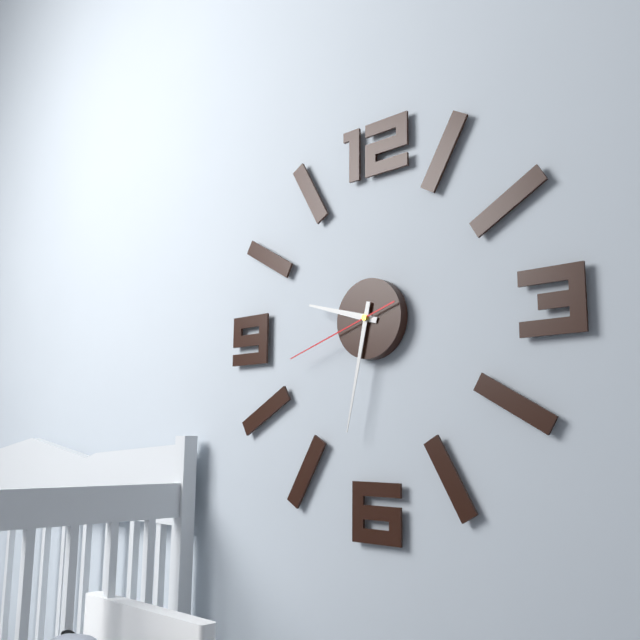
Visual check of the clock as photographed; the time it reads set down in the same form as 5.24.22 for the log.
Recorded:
9.32.42
